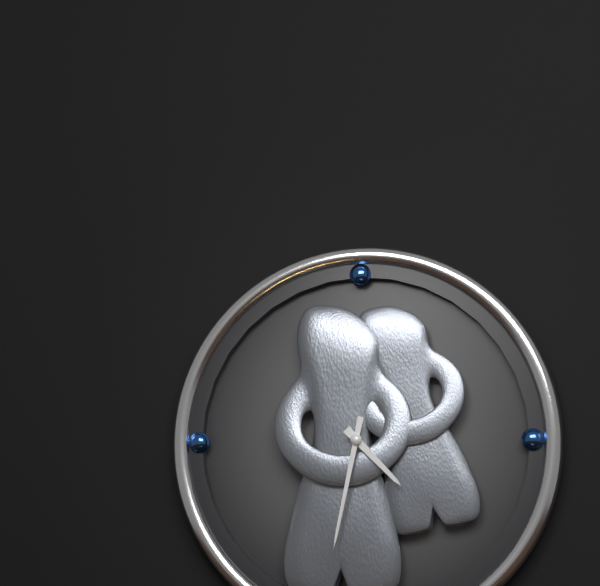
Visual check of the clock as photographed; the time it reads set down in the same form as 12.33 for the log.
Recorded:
4.32
